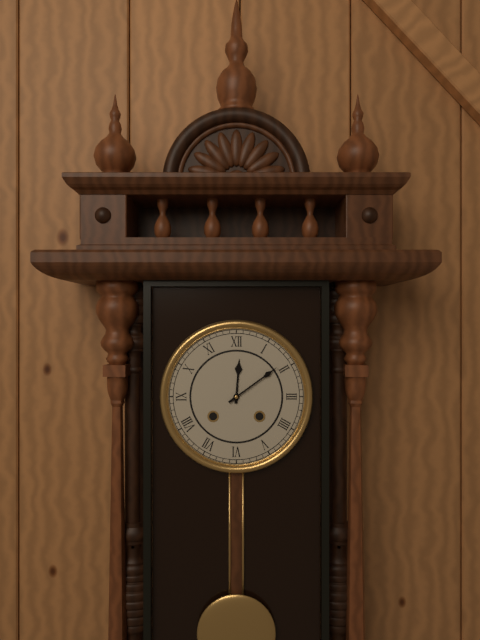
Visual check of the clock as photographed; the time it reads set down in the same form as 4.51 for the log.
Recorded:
12.09
